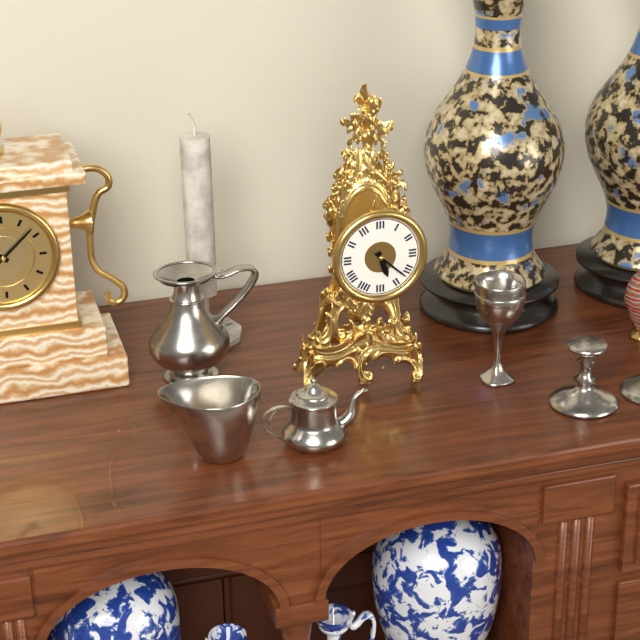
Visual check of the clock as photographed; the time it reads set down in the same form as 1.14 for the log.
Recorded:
5.22
